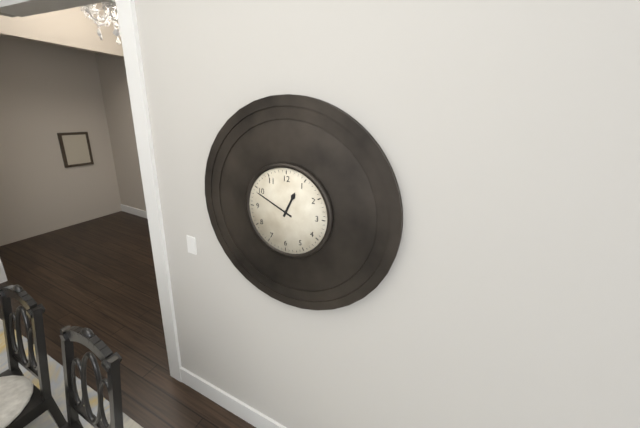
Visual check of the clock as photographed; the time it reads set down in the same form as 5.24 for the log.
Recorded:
12.49
